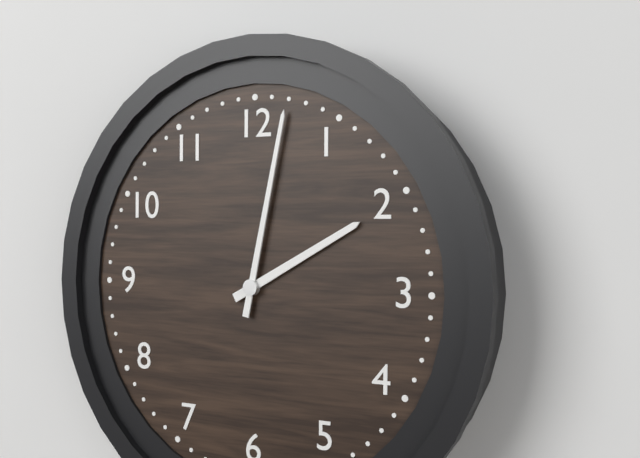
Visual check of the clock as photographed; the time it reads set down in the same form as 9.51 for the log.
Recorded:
2.02
